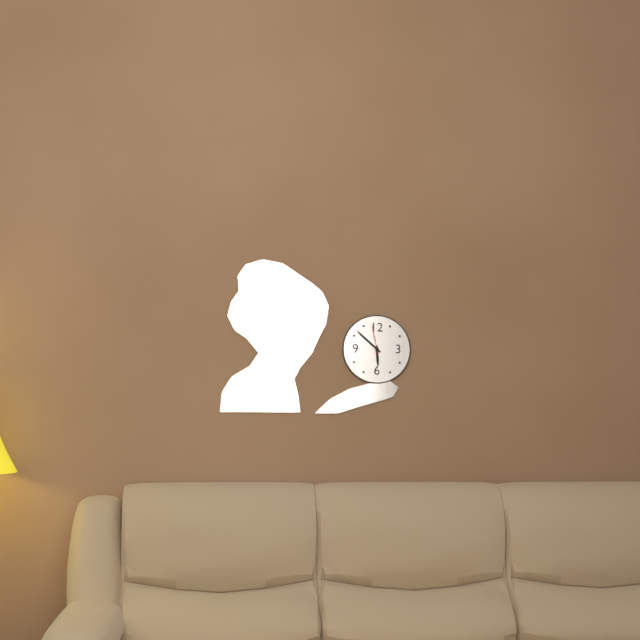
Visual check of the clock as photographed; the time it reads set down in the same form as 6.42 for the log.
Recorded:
5.52
